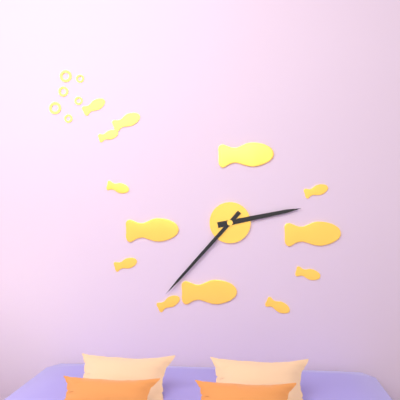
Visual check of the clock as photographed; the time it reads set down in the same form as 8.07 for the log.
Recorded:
2.37
